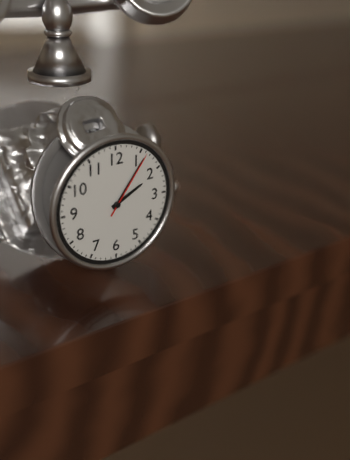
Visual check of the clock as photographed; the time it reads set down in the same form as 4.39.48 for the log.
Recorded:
2.06.06
